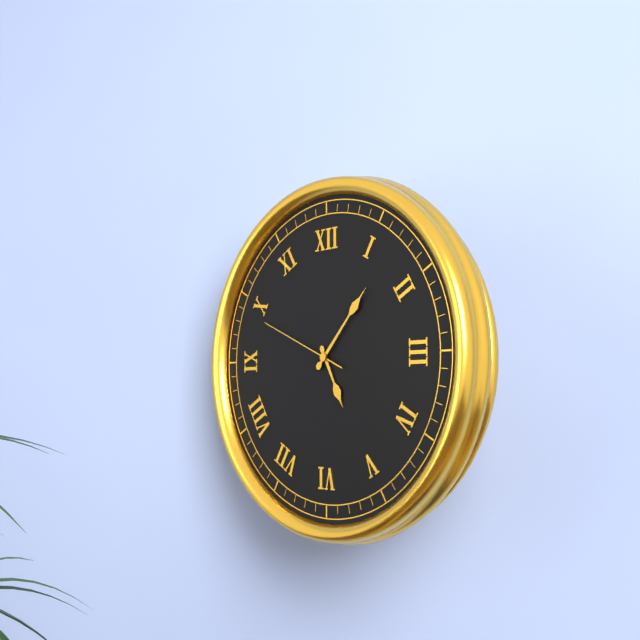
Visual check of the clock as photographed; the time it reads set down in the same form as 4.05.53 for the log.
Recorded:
5.07.49
